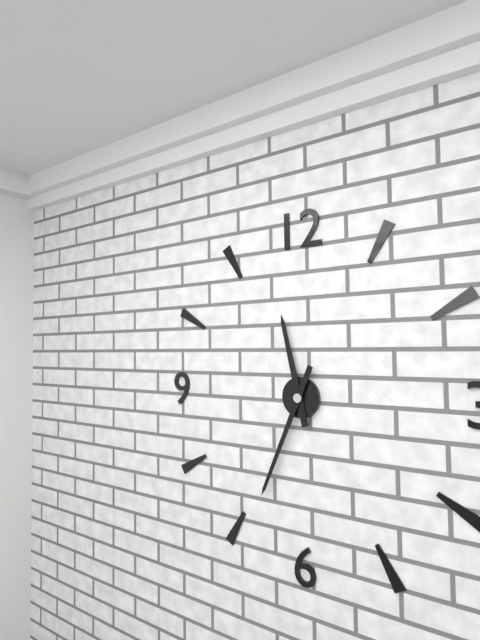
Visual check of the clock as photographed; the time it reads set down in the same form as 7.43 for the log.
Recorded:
11.34
